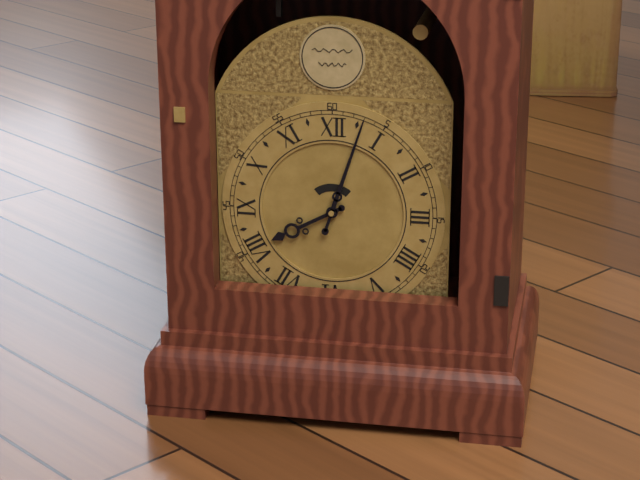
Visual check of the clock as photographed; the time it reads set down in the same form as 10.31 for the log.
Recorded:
8.03
